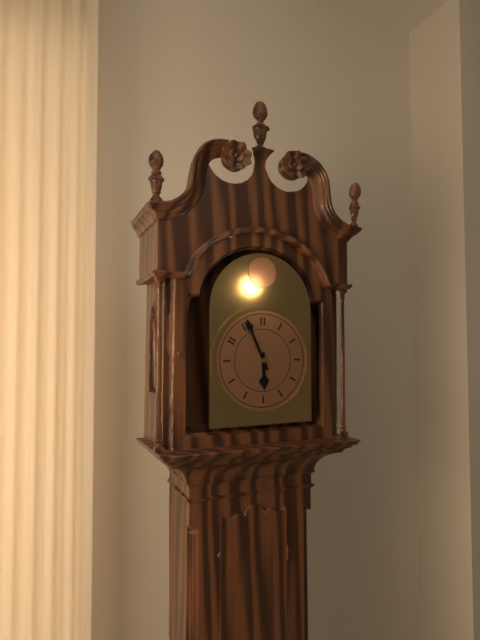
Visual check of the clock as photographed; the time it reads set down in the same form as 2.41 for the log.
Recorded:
5.56
